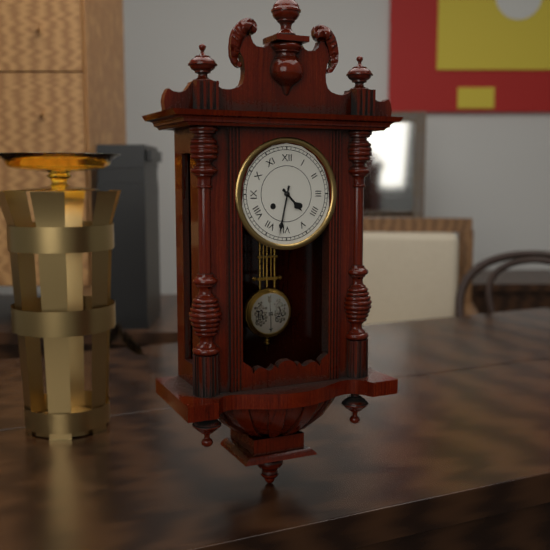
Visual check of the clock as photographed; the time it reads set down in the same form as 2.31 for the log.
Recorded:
4.32
